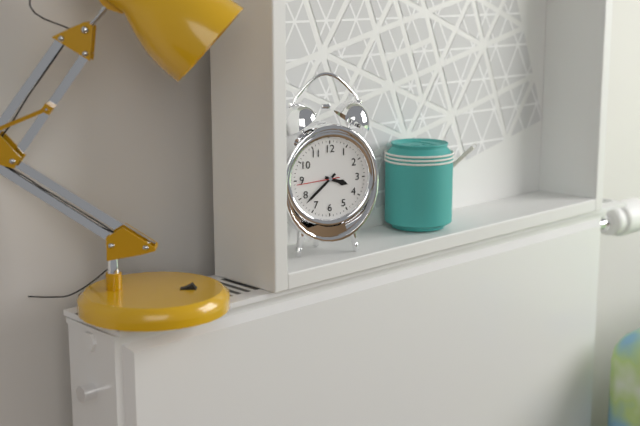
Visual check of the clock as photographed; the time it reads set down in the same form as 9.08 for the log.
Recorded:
3.38
